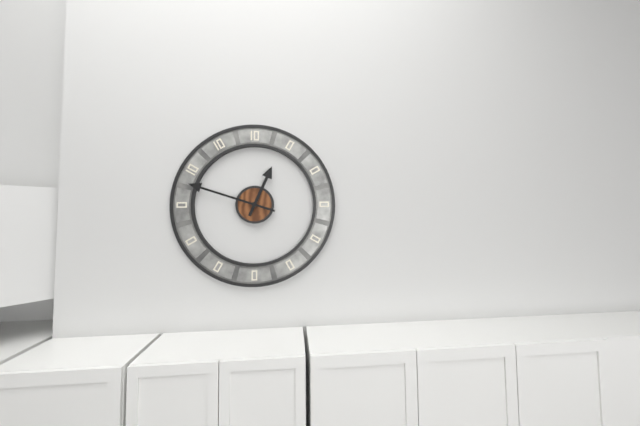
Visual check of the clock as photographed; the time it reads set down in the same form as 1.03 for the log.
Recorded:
12.48
